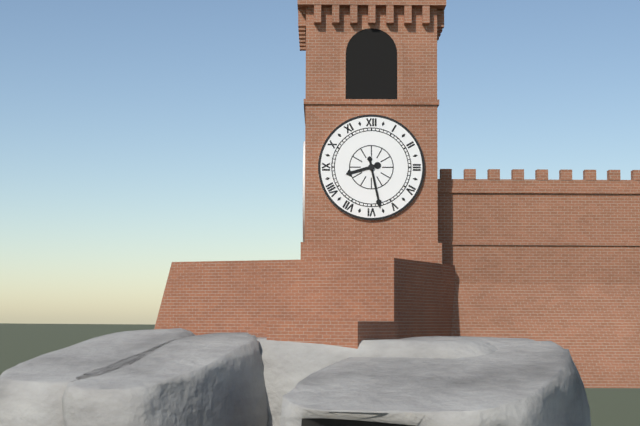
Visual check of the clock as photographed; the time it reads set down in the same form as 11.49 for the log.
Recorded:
8.28
